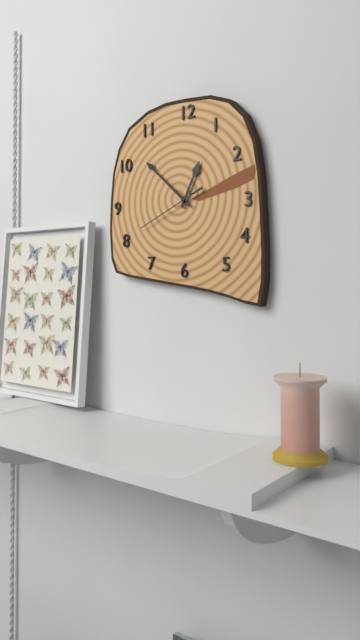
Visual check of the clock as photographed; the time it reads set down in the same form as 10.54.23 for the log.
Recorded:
12.52.41
